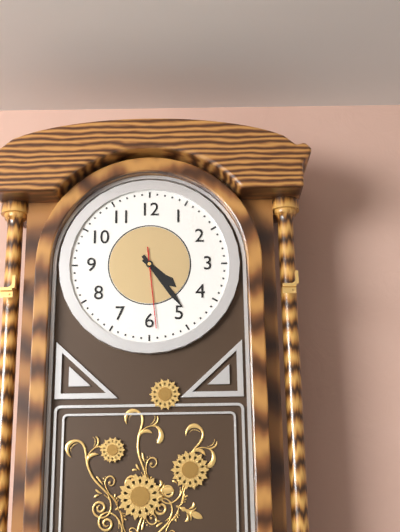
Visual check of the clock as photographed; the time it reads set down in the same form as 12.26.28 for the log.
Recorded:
4.24.29
